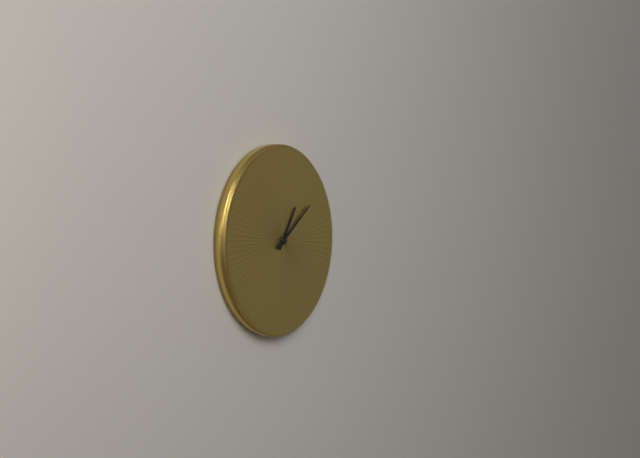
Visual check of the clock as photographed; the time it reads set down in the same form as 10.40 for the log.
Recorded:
1.09
